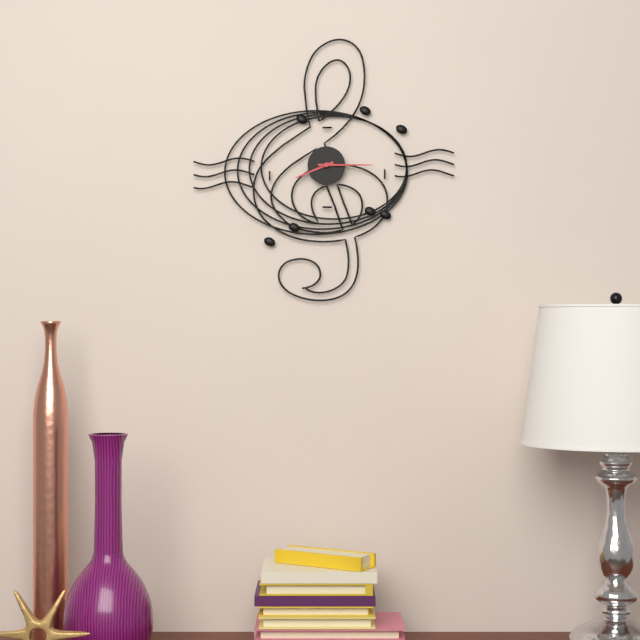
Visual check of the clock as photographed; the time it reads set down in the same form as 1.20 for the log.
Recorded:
8.15
